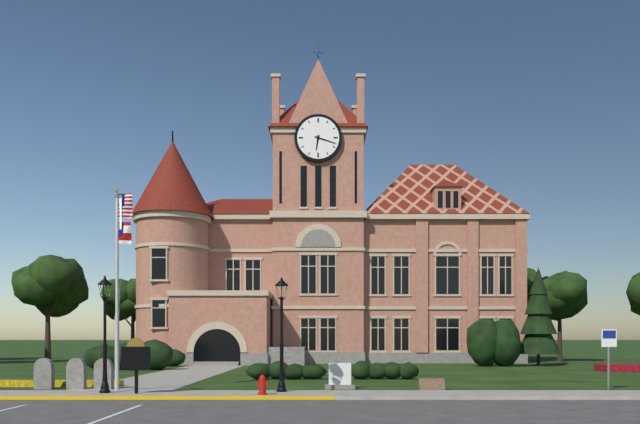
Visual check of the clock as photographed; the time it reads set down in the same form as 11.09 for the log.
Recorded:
6.18
